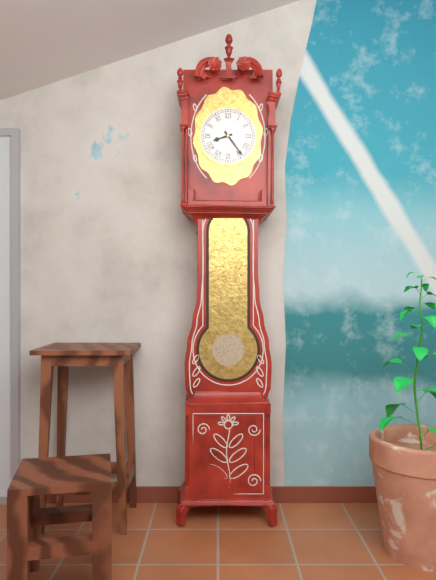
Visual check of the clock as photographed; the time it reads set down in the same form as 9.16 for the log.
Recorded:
8.24
